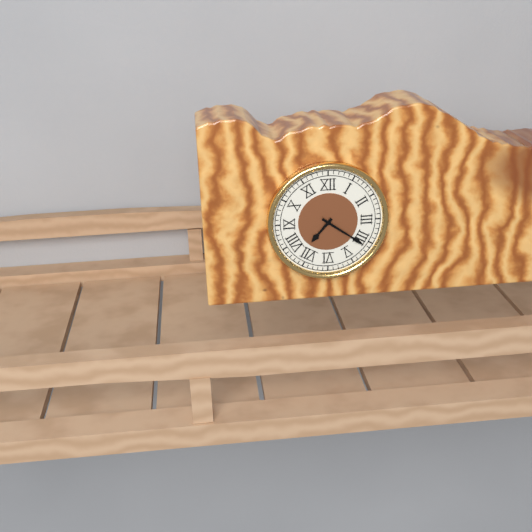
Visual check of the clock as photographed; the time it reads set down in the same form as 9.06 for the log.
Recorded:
7.21
